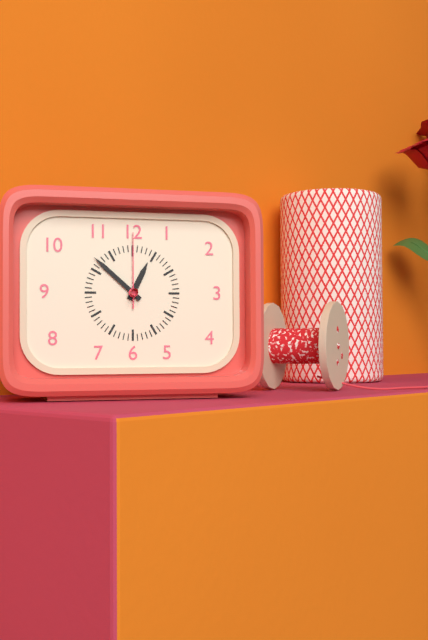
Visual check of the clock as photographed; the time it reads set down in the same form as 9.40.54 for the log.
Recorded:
12.52.00
